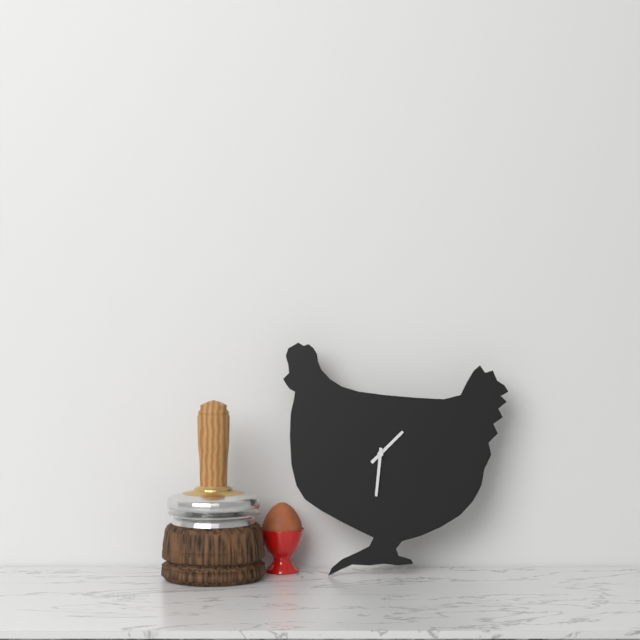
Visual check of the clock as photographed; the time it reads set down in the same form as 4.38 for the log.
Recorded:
1.31
